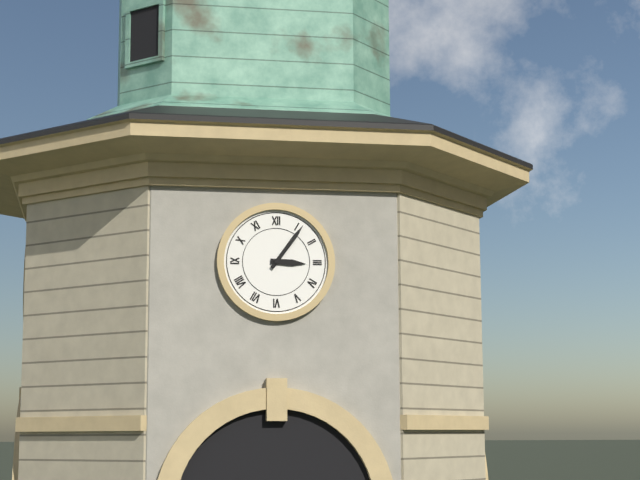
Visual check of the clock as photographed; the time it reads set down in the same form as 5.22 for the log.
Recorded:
3.06
